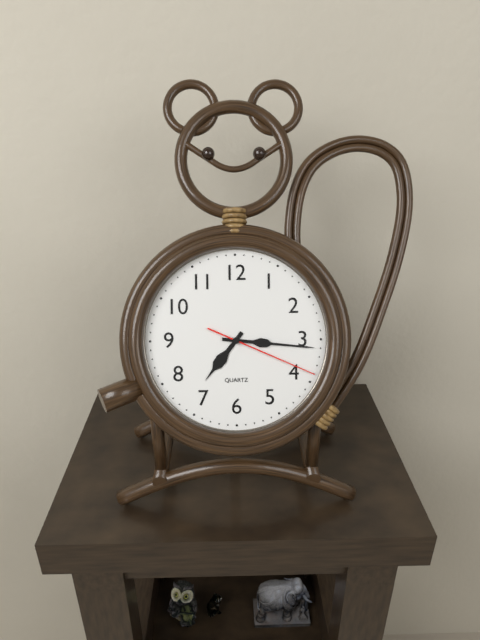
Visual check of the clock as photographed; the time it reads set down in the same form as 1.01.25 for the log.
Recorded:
7.16.19
